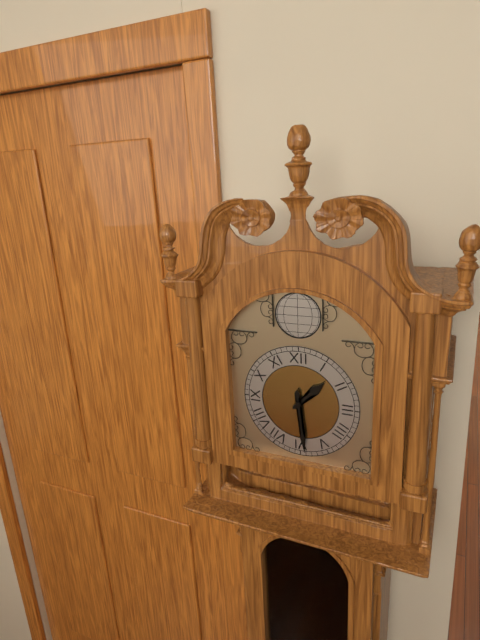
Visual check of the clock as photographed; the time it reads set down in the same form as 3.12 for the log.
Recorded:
1.29
